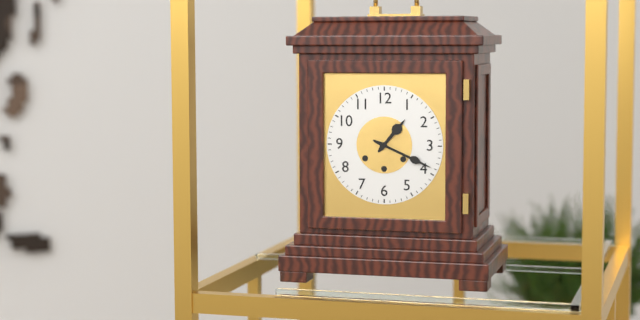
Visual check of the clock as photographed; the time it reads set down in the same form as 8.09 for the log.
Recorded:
1.19
